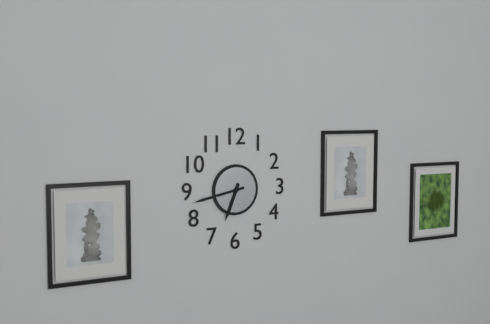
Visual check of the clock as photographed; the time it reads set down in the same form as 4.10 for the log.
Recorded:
6.43
